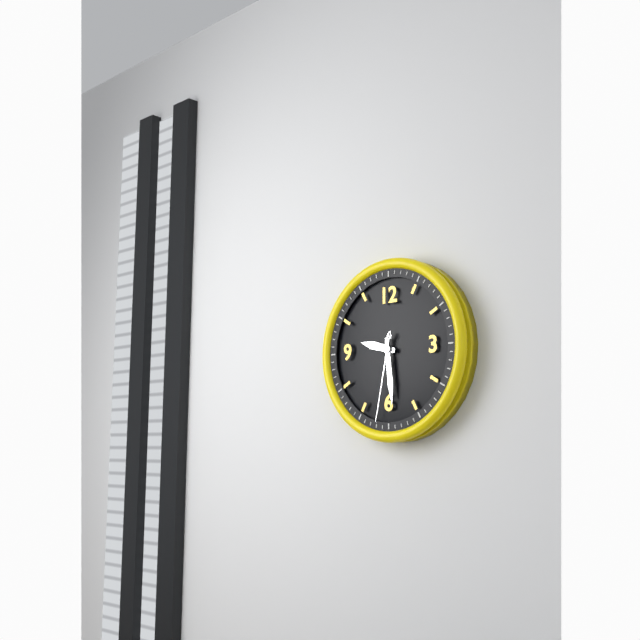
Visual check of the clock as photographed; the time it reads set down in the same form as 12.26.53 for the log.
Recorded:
9.29.32
